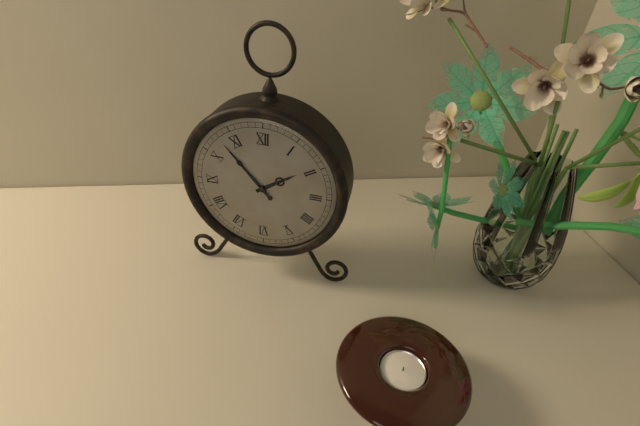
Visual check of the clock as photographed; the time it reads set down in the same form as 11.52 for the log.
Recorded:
1.53
